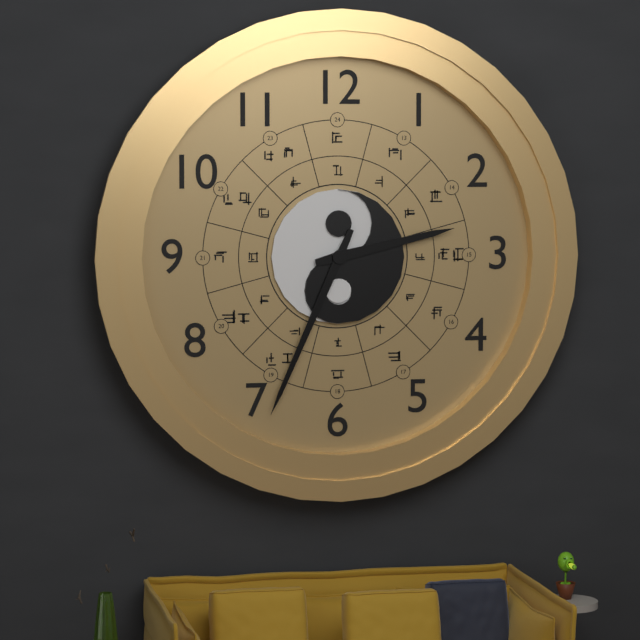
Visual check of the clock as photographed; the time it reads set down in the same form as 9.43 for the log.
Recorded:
2.34
